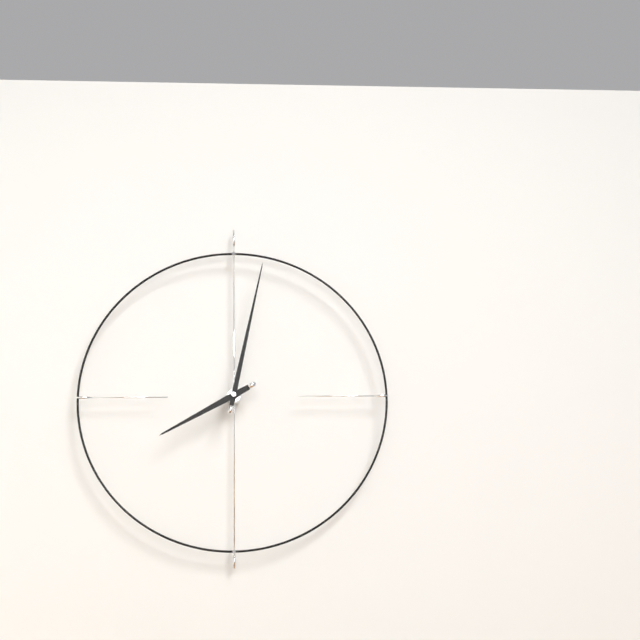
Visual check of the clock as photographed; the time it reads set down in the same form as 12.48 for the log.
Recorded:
8.02
